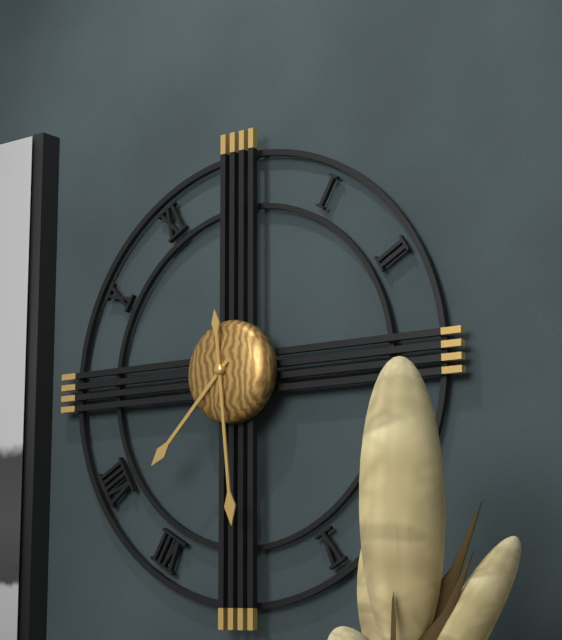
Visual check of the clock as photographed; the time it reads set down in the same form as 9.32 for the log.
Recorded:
7.29
